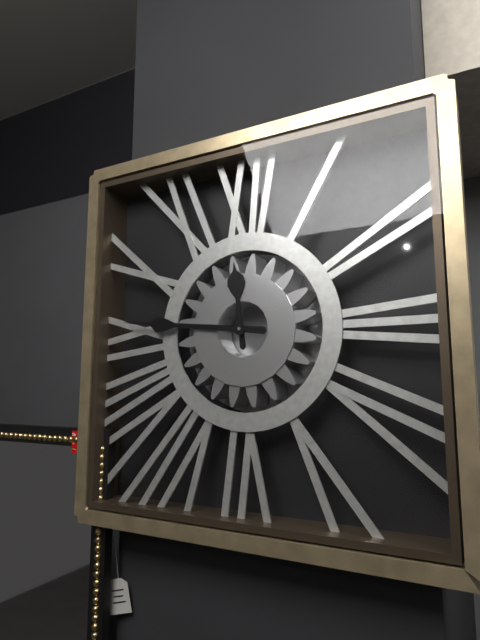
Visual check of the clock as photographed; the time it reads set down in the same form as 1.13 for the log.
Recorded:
11.46
